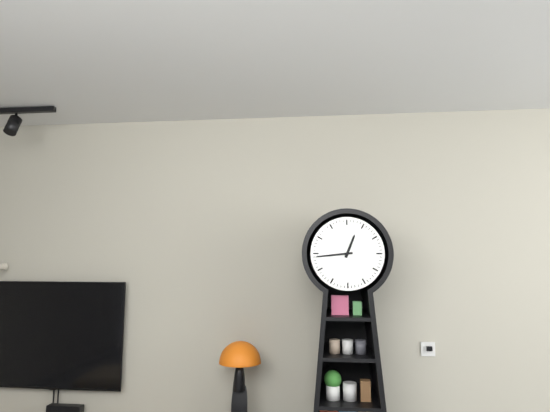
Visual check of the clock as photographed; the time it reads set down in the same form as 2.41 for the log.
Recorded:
12.44
